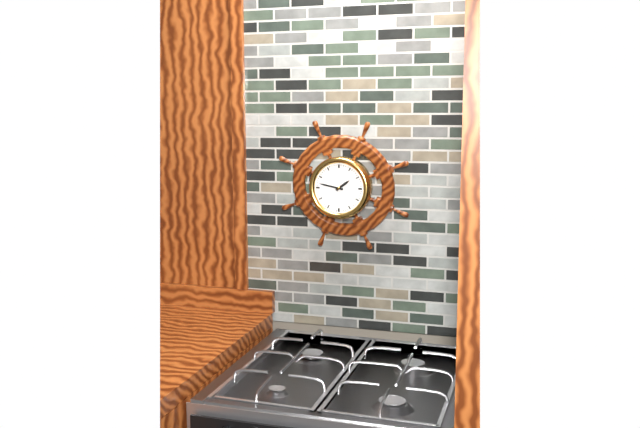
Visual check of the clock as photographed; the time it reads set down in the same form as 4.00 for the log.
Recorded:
1.47
